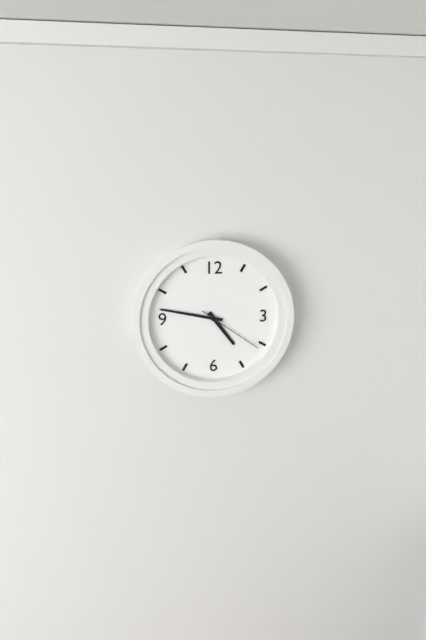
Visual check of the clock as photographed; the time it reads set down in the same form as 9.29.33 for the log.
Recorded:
4.47.21
